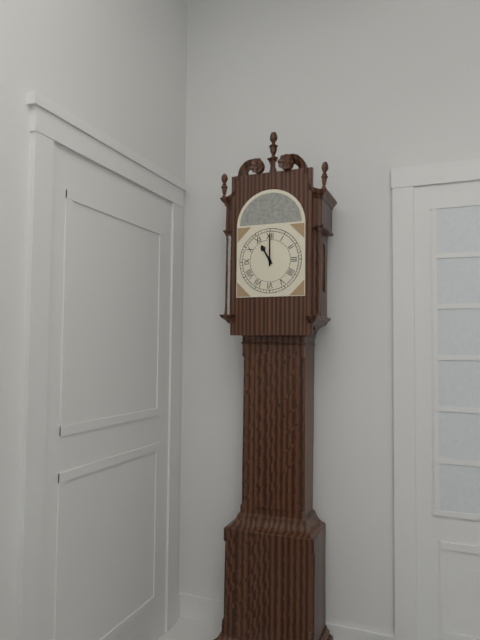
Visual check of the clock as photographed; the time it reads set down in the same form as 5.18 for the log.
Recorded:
11.00
